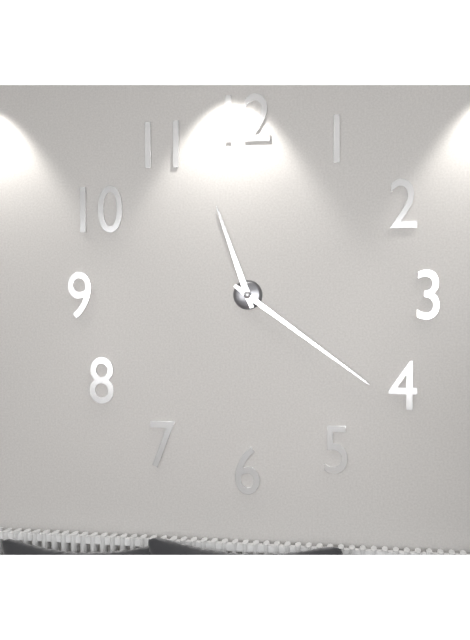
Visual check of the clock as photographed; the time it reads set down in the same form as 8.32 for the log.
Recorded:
11.21
